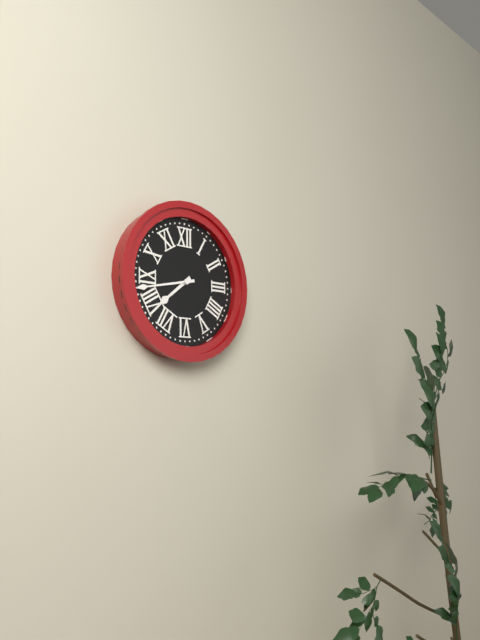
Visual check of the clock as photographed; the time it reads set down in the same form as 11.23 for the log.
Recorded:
7.43
